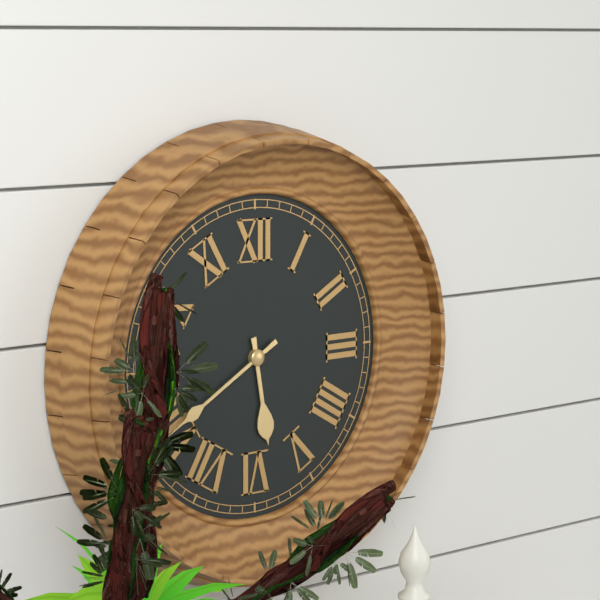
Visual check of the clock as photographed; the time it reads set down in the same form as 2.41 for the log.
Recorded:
5.40
